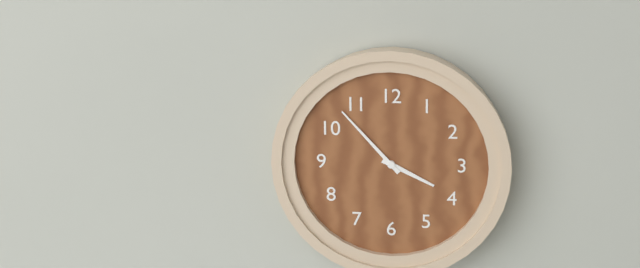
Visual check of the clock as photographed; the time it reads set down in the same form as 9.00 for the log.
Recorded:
3.53
